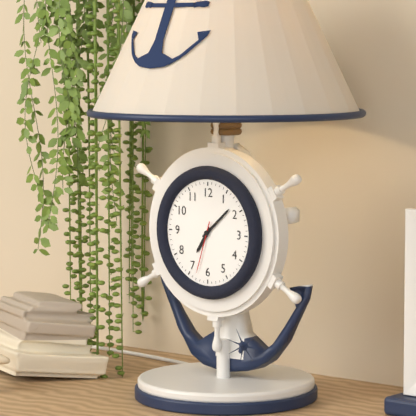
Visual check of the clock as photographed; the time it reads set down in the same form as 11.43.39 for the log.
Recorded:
7.08.33
